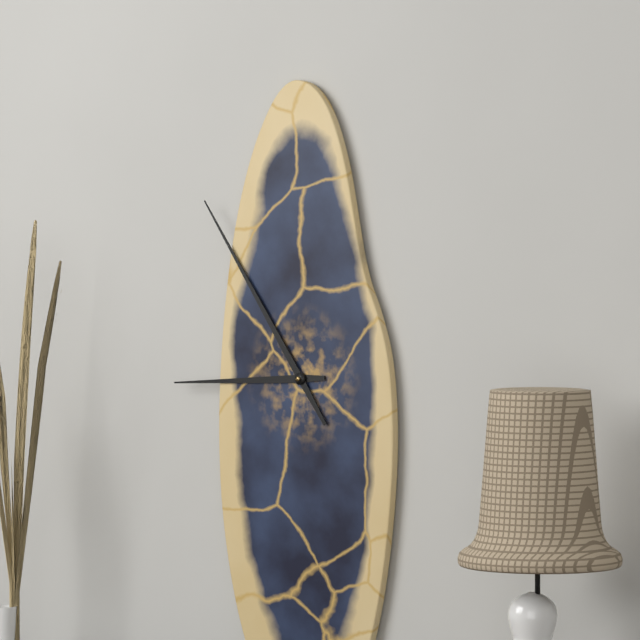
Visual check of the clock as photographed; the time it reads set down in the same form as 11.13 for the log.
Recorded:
8.54
